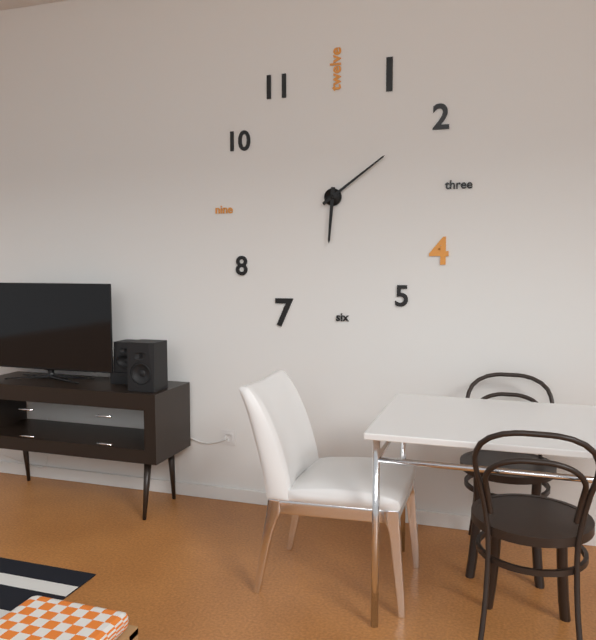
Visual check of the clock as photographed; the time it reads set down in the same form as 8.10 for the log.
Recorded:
6.09
